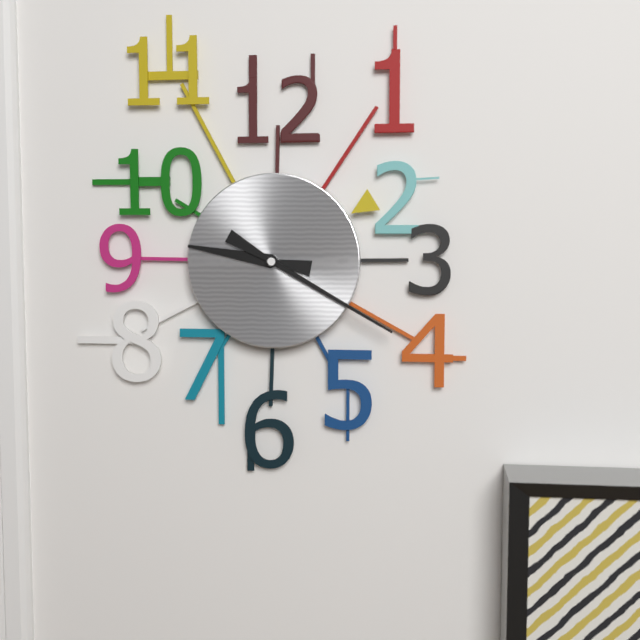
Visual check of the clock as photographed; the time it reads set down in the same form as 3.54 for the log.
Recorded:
9.20
